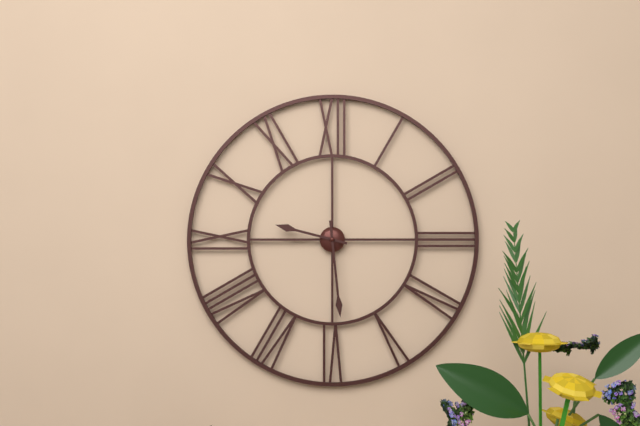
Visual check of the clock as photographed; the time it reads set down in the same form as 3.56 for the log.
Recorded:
9.29
